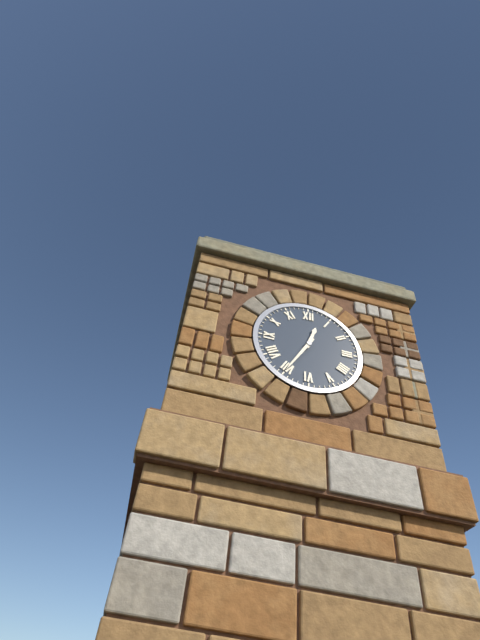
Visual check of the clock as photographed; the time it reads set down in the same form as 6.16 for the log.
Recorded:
12.35
